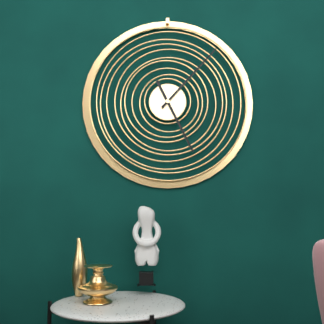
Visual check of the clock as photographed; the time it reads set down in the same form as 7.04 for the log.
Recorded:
5.07
